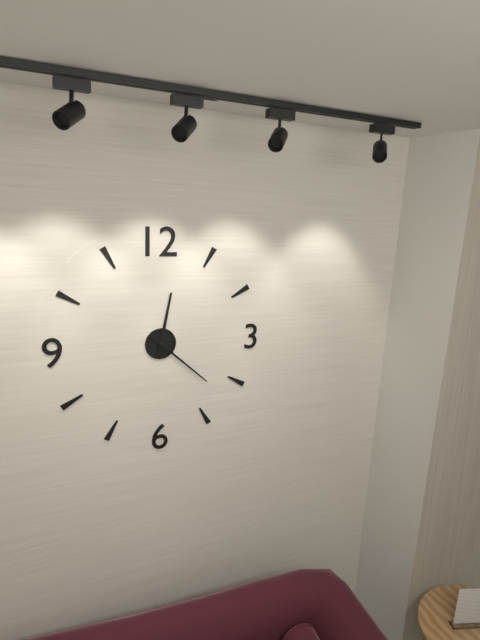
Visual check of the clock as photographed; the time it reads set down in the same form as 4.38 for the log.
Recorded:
12.22
